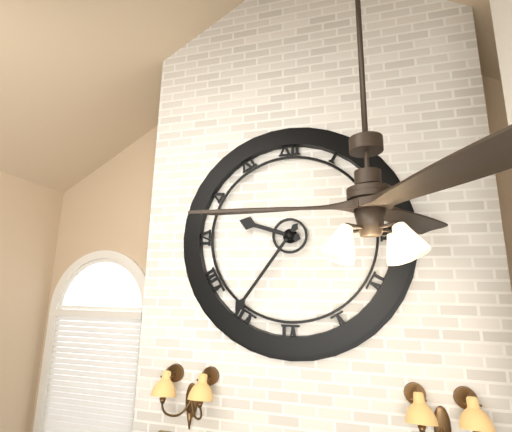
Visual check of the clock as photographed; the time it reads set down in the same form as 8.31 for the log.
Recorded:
9.36
